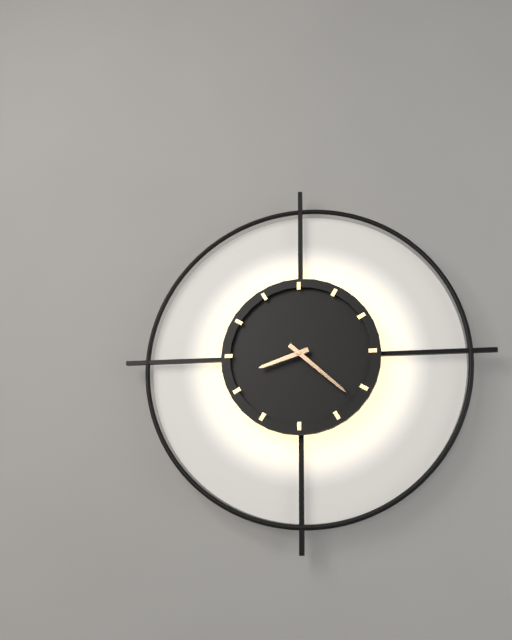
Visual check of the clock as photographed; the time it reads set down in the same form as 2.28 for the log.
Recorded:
8.22
